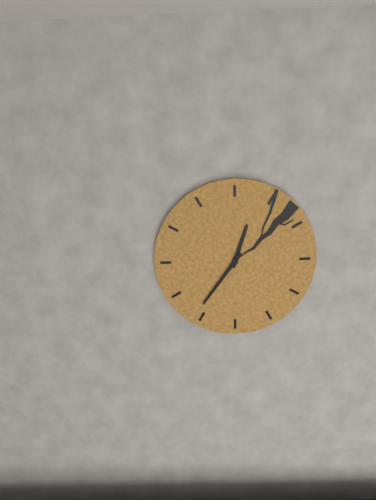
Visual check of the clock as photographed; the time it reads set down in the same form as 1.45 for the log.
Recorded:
12.36
